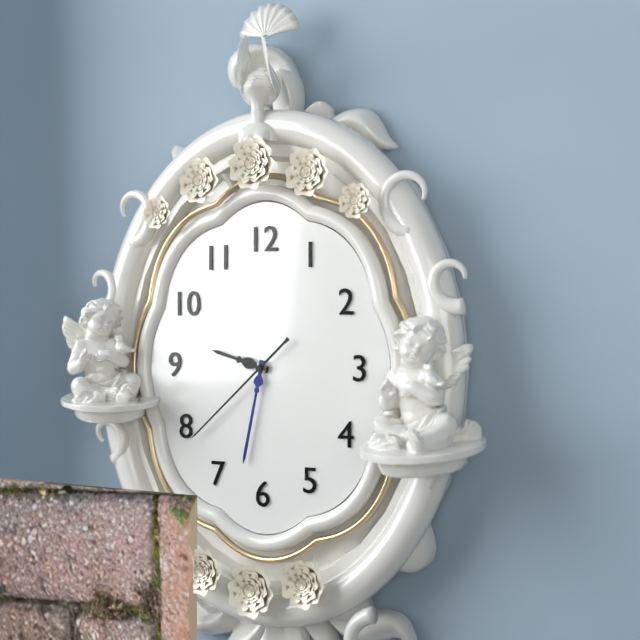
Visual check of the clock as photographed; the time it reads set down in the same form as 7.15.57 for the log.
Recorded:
9.32.38
